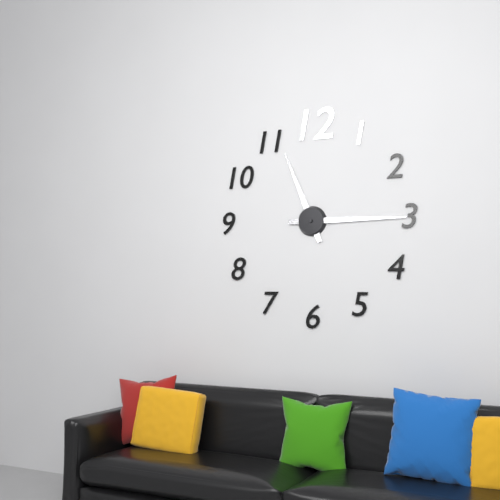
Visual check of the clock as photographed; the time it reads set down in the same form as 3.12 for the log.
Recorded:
11.15
